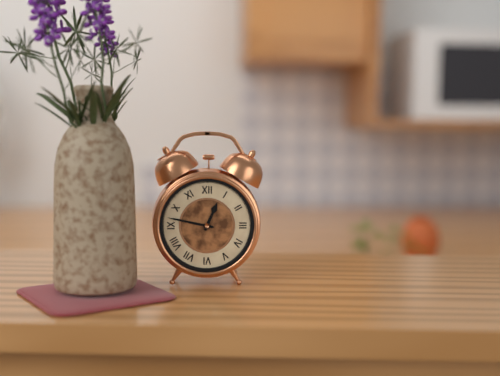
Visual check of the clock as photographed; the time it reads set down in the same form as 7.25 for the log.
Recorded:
12.47
